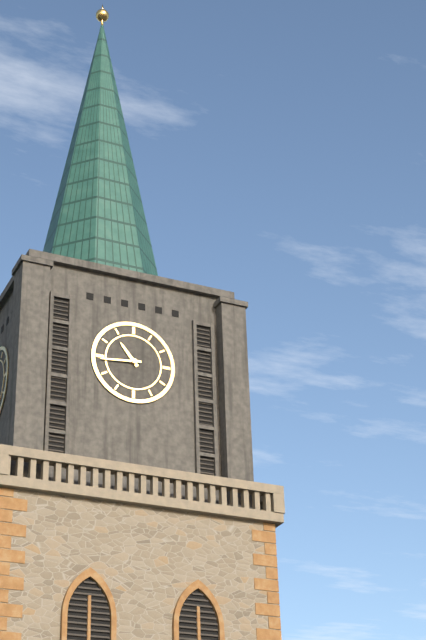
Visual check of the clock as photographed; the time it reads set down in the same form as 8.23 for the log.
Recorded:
10.44
